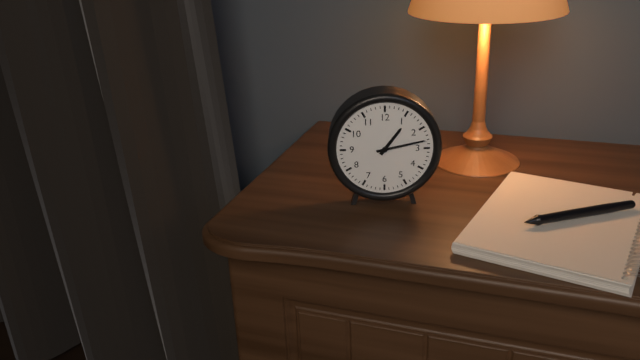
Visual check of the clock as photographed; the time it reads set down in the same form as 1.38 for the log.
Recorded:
1.13
